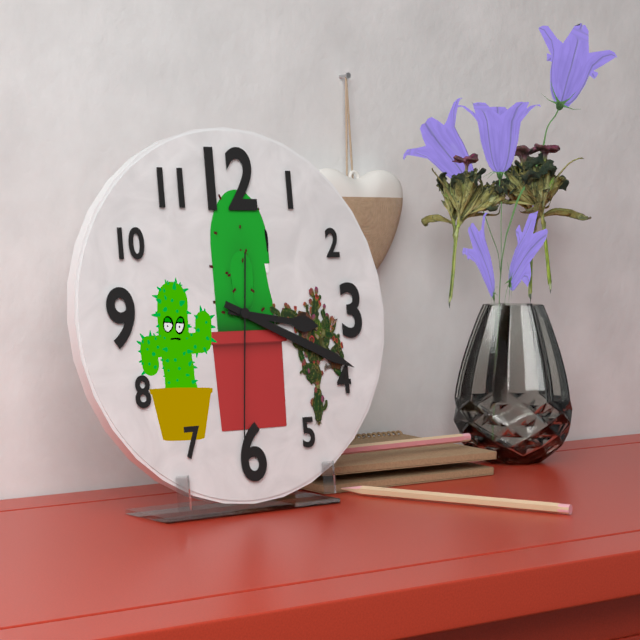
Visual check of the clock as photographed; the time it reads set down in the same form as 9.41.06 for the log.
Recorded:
3.19.31
